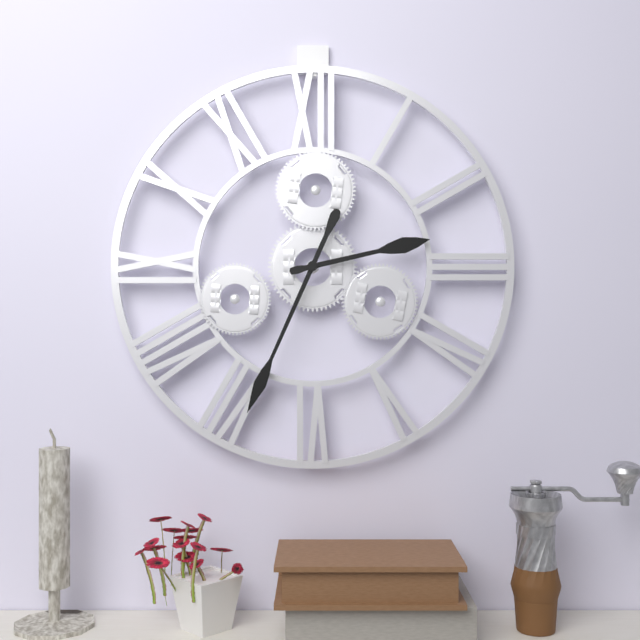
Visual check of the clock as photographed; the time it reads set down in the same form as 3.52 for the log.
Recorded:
2.34
